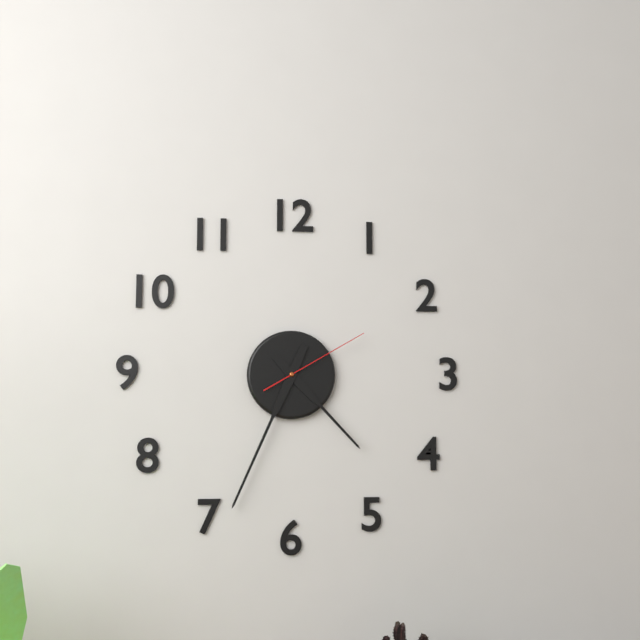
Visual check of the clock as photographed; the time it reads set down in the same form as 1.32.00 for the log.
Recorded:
4.34.10
